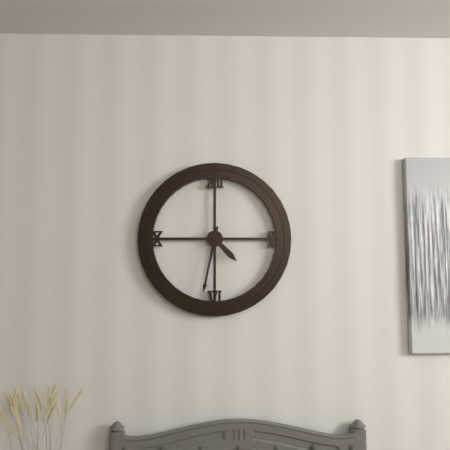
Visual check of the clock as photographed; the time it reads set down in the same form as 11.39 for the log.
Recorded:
4.32
